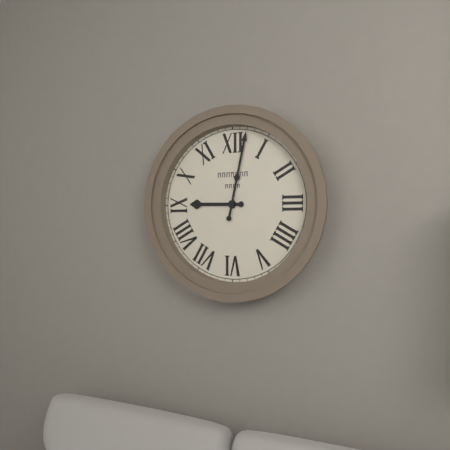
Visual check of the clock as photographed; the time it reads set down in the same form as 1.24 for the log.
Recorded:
9.02
